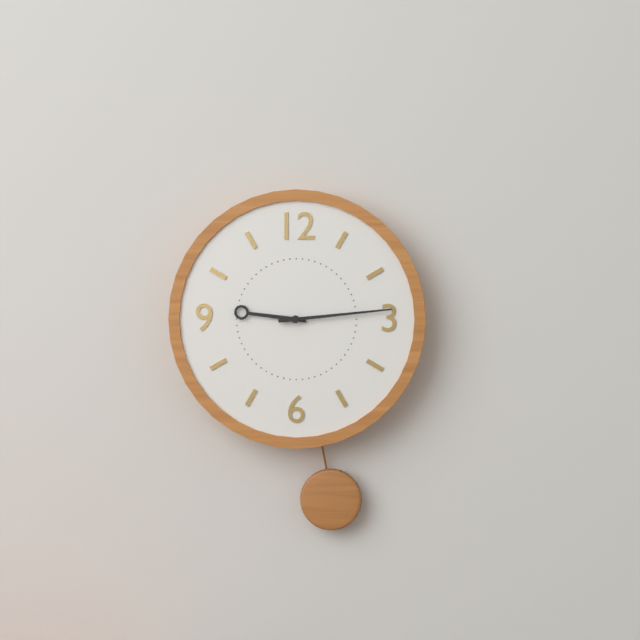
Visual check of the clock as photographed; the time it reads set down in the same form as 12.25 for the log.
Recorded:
9.14
